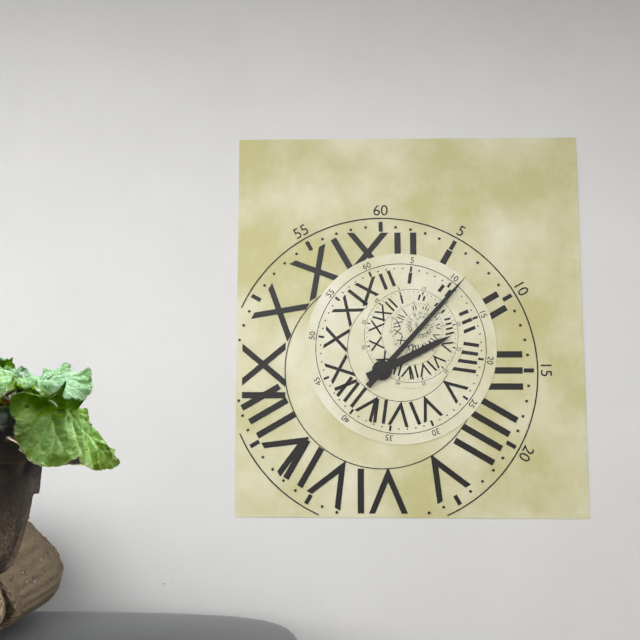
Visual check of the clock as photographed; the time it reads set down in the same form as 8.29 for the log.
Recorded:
2.07
